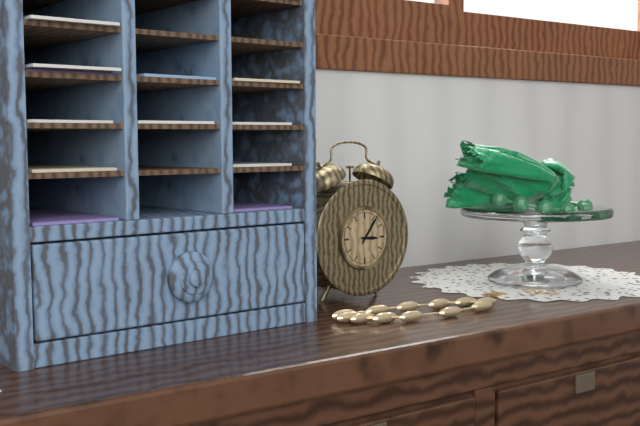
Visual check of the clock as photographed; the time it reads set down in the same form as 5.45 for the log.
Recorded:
3.06
